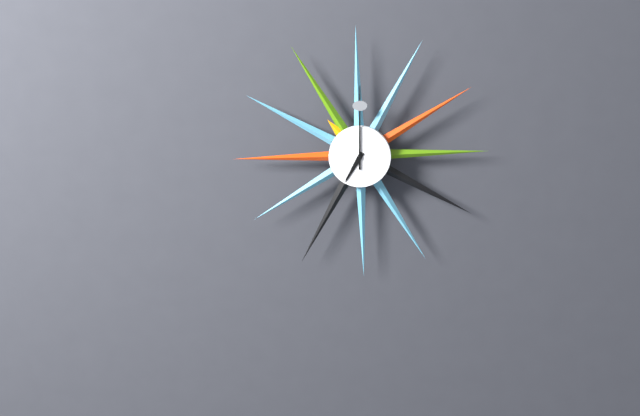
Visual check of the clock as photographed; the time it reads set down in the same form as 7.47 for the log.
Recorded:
7.00
